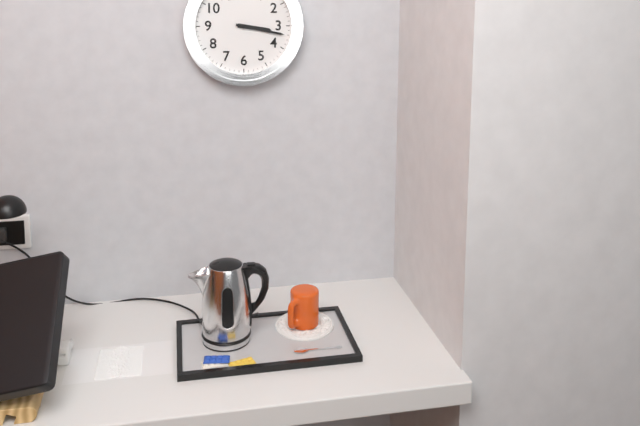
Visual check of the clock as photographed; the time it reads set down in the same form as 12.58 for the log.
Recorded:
3.17
